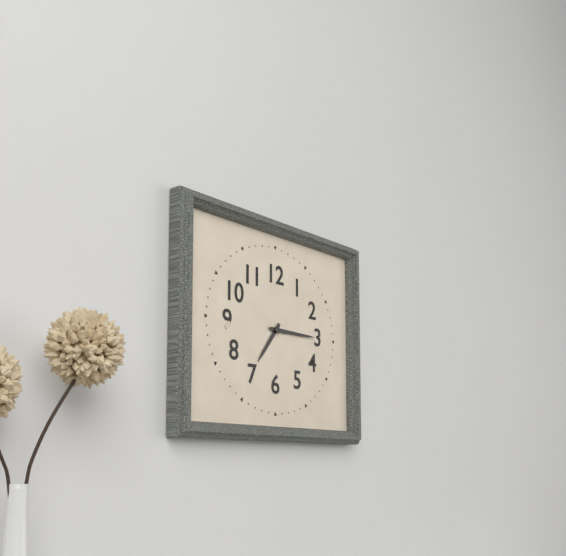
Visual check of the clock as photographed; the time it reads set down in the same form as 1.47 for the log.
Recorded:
7.15
